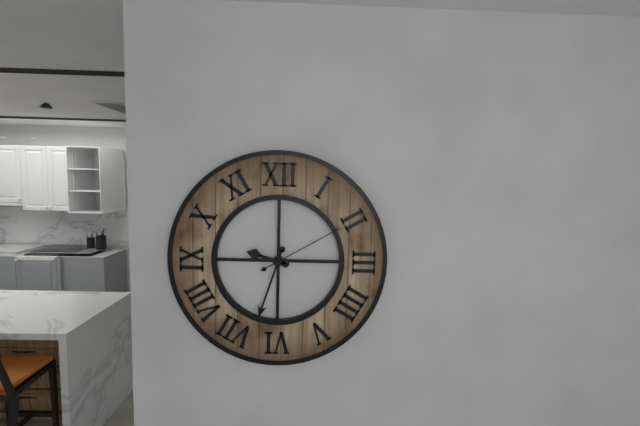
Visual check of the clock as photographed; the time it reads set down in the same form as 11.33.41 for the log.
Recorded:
9.33.10
